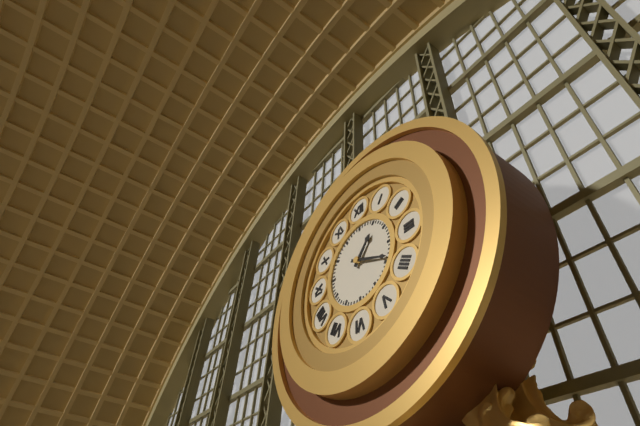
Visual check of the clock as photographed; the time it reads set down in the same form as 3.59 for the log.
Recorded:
1.19
